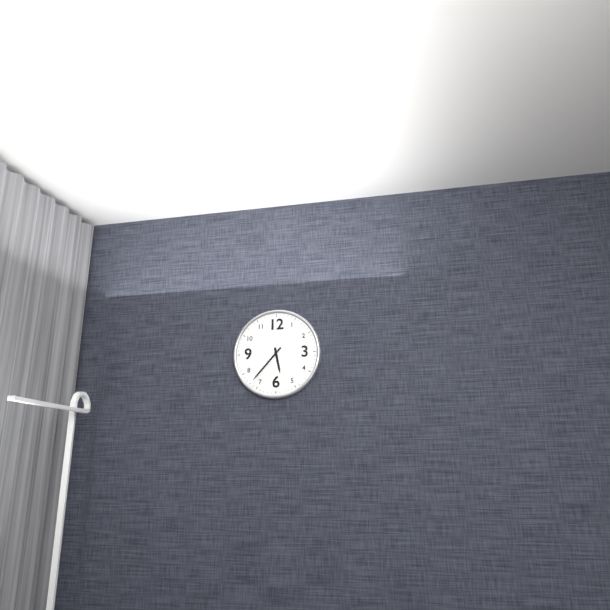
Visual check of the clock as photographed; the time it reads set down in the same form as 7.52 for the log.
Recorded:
5.37
